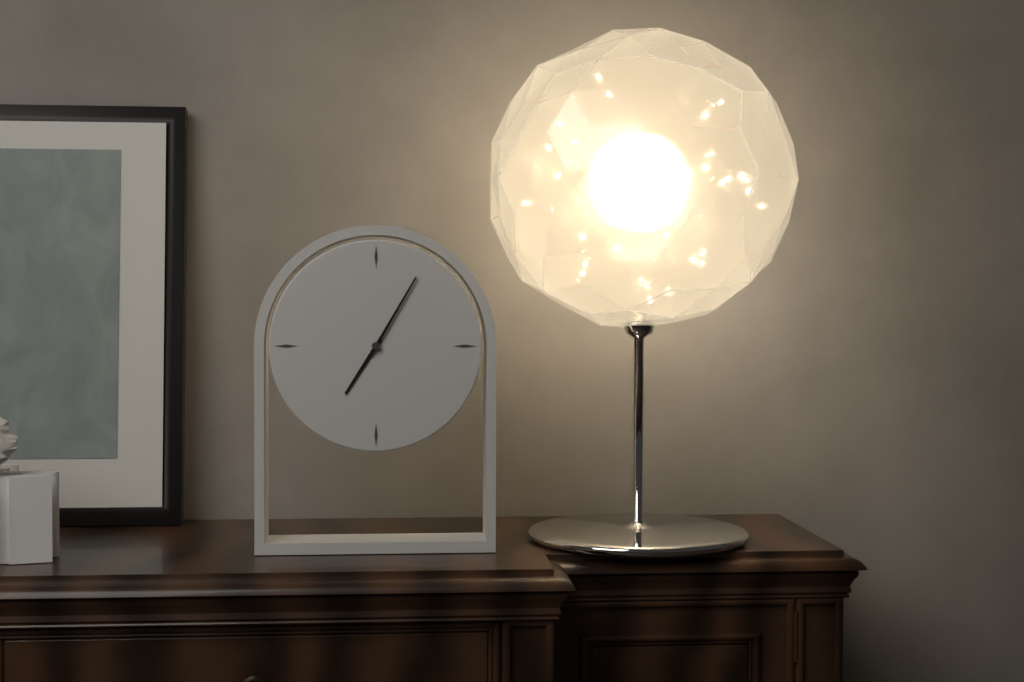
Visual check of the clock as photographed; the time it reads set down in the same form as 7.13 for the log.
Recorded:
7.05
